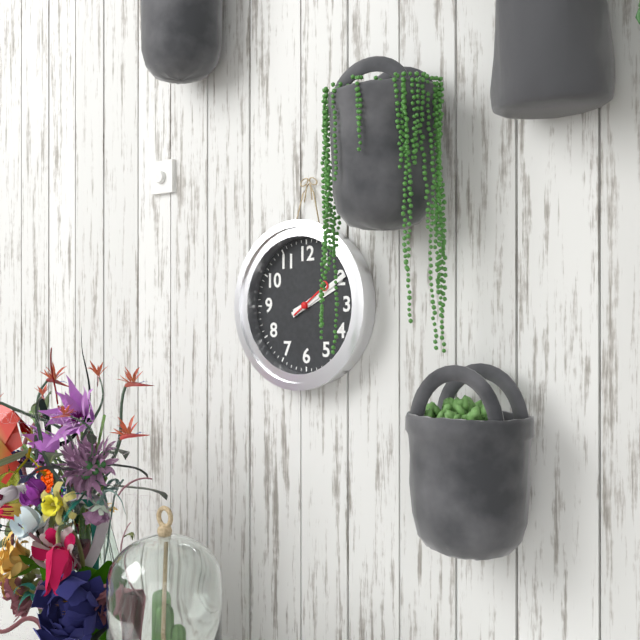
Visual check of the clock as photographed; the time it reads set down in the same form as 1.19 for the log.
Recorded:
2.10
